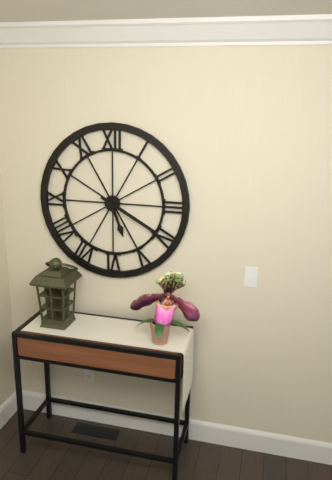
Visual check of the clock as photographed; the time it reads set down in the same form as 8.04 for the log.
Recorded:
5.20
